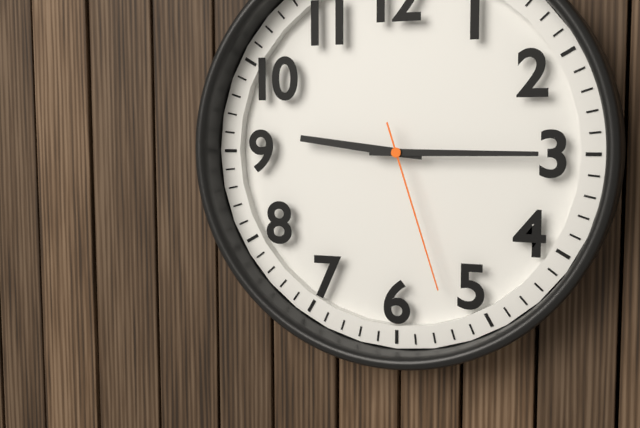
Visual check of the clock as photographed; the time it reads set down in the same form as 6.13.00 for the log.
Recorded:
9.15.27
